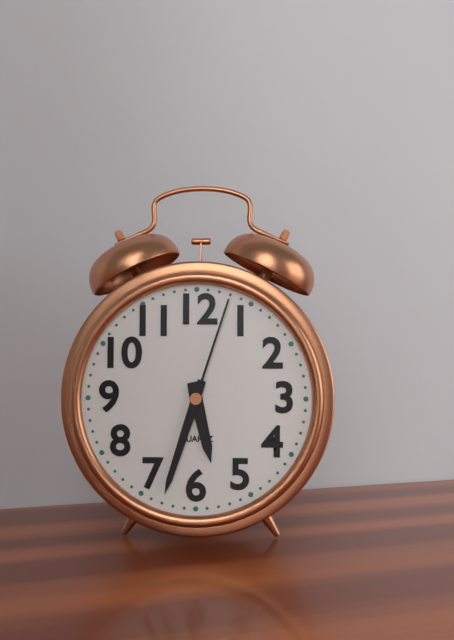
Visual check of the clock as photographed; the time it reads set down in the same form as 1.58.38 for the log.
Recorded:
5.33.03
